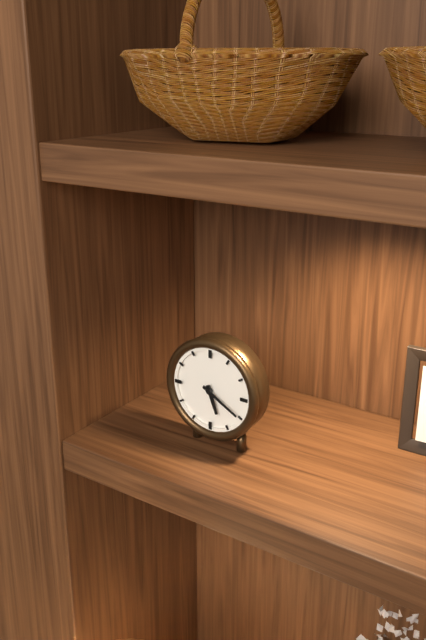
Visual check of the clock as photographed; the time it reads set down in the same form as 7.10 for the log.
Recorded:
5.20
